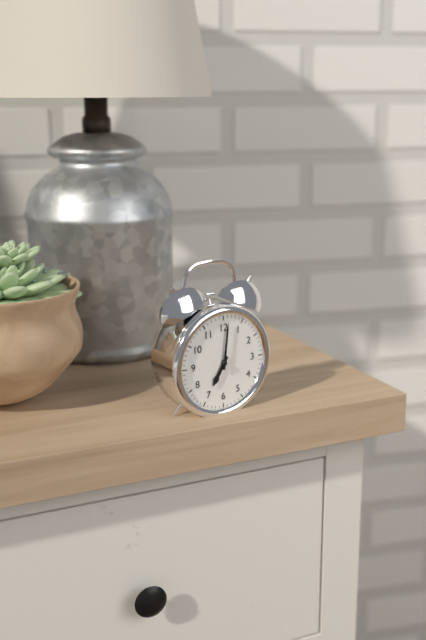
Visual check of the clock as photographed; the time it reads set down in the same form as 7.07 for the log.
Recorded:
7.01
